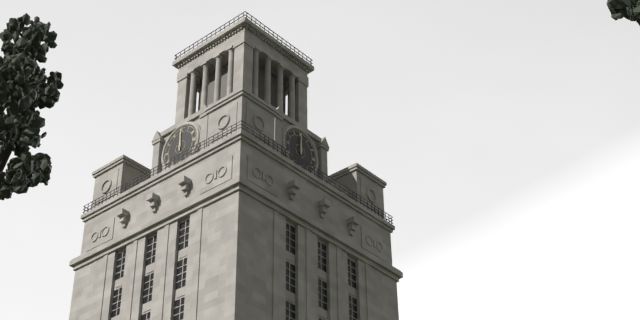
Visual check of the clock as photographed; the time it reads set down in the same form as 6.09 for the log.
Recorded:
12.00
